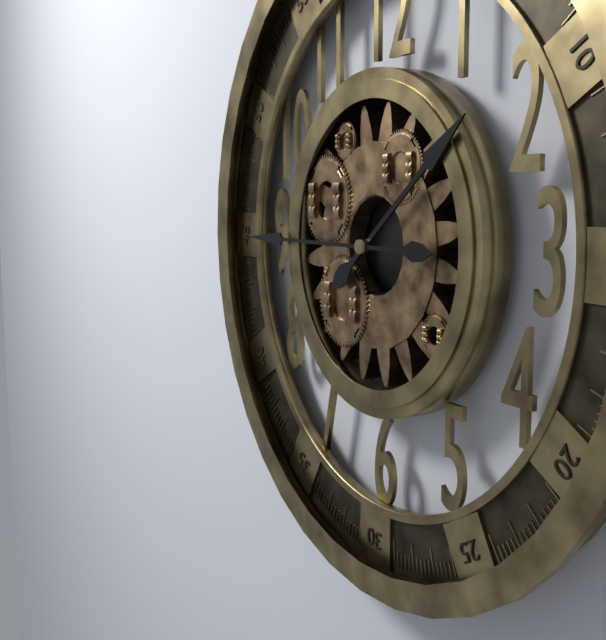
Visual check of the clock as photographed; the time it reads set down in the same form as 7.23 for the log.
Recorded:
1.45
